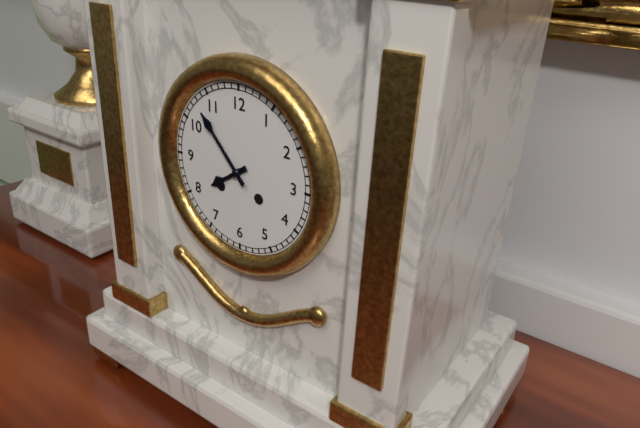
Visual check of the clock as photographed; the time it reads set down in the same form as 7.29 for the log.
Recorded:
7.53
